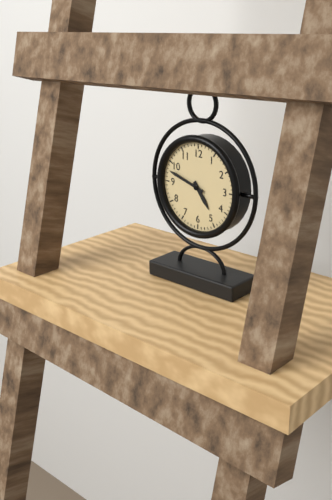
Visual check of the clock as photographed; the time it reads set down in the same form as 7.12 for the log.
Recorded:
4.48
